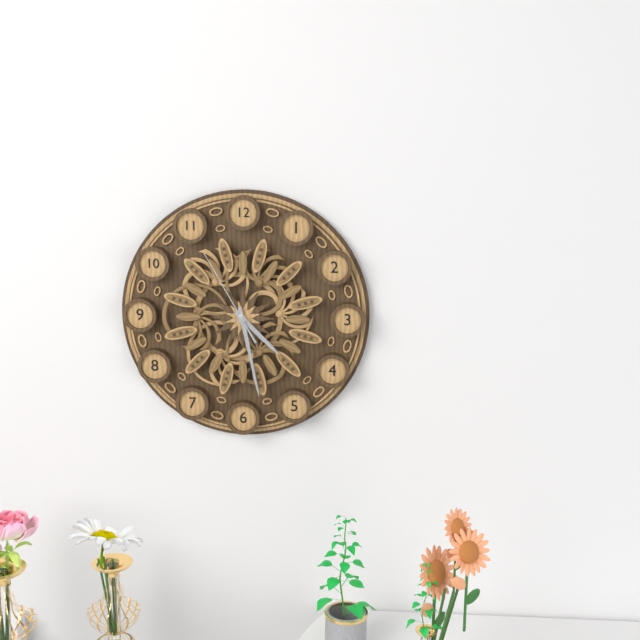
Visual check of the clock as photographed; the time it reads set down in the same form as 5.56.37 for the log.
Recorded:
4.28.55
